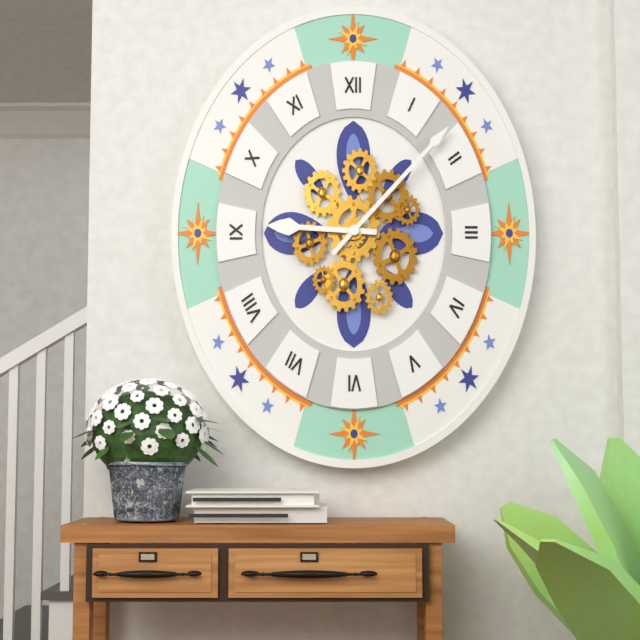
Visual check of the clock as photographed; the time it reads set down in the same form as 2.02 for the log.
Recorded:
9.07
